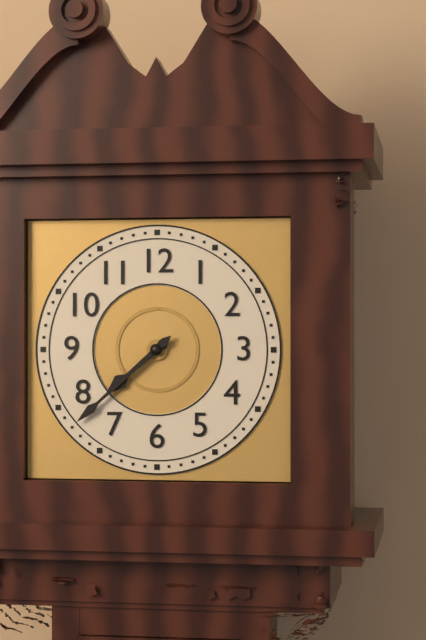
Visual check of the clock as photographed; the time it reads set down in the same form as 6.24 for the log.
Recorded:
7.38
